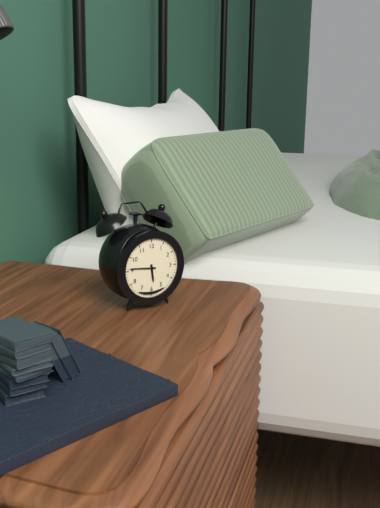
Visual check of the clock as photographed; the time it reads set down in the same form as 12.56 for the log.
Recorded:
5.46
